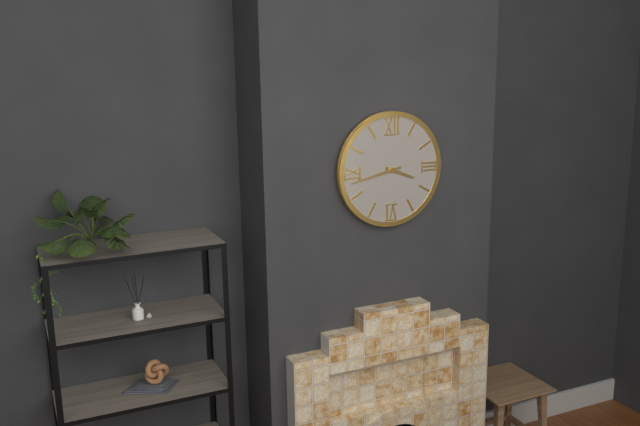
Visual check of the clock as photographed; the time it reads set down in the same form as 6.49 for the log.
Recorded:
3.43
